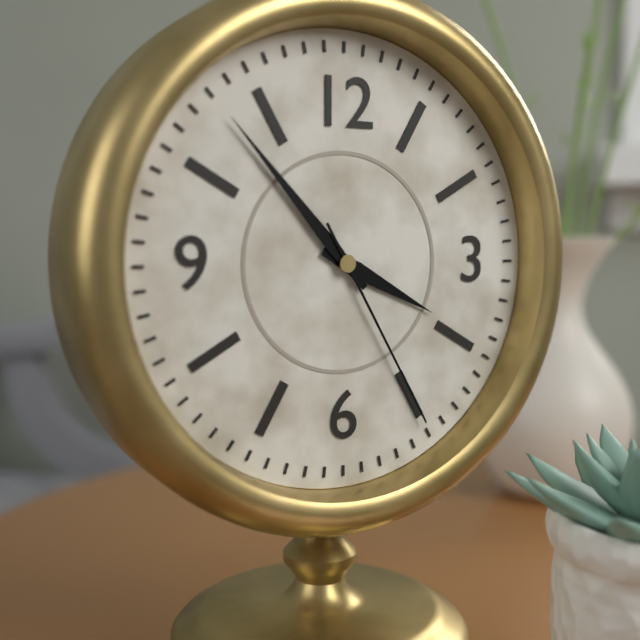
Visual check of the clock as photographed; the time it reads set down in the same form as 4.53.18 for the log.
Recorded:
3.53.25
